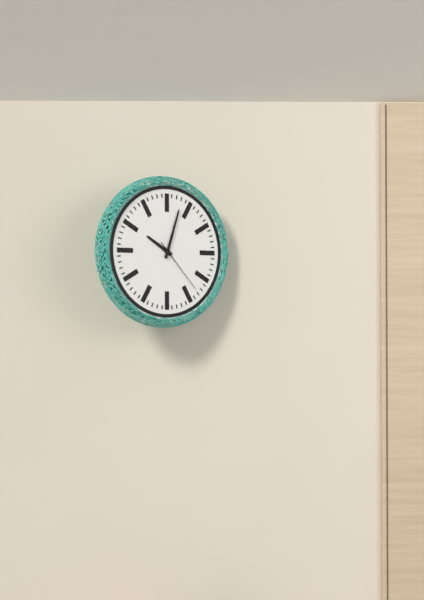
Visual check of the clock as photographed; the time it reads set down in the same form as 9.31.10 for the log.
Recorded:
10.03.23
